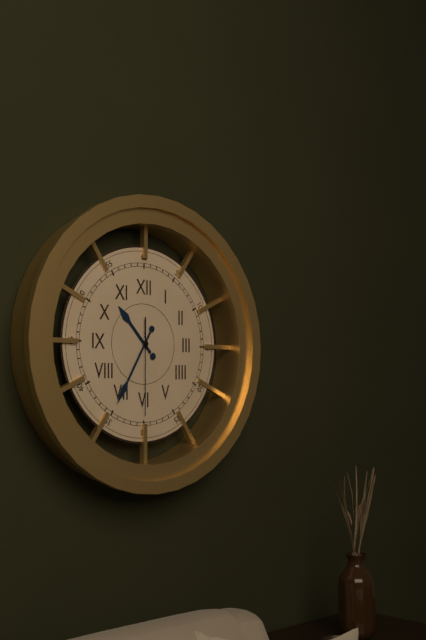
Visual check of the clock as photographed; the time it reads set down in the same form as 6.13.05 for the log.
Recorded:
10.35.30
